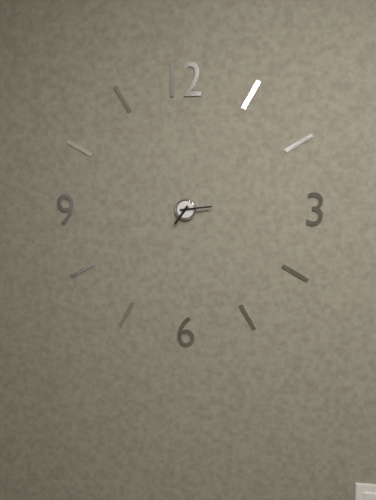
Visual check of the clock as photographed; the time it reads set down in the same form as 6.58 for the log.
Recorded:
7.14
